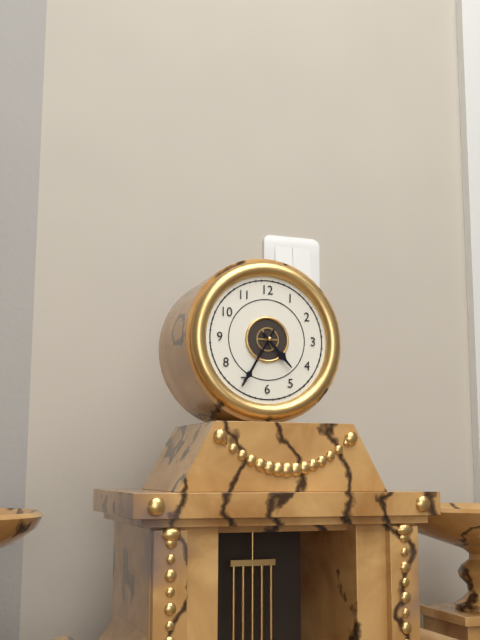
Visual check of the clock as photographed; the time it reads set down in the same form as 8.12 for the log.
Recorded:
4.35
